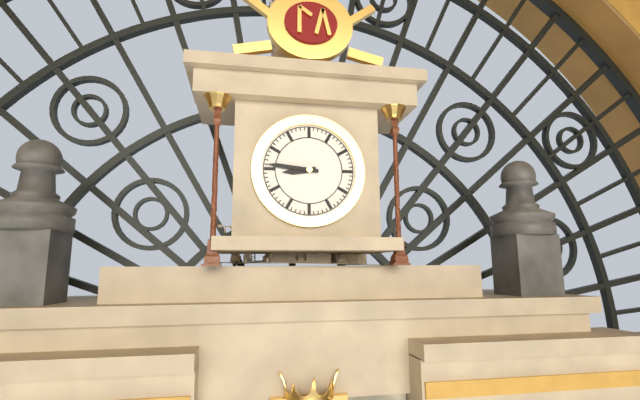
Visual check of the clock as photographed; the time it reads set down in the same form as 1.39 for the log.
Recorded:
8.46
